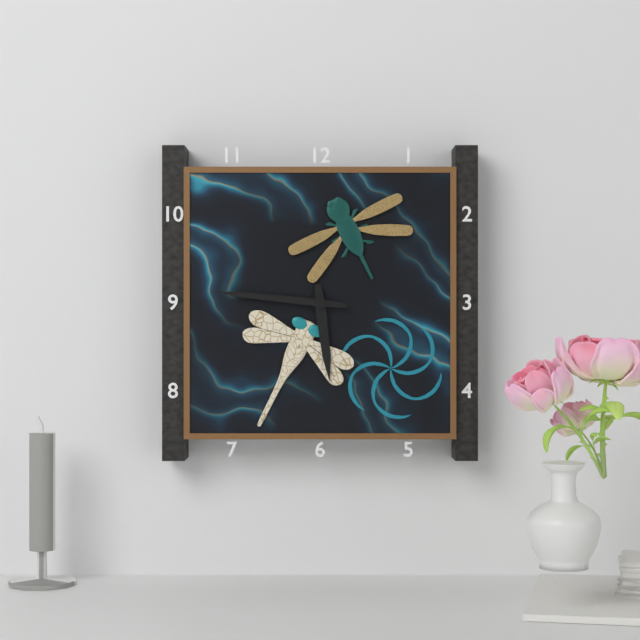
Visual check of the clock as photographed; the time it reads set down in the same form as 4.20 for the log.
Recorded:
5.46
